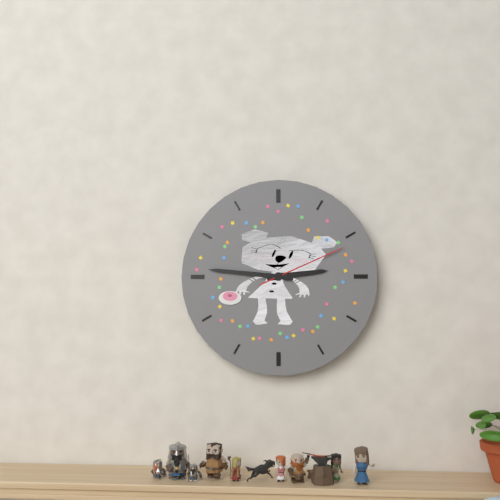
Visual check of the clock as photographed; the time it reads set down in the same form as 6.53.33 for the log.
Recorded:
2.46.11
